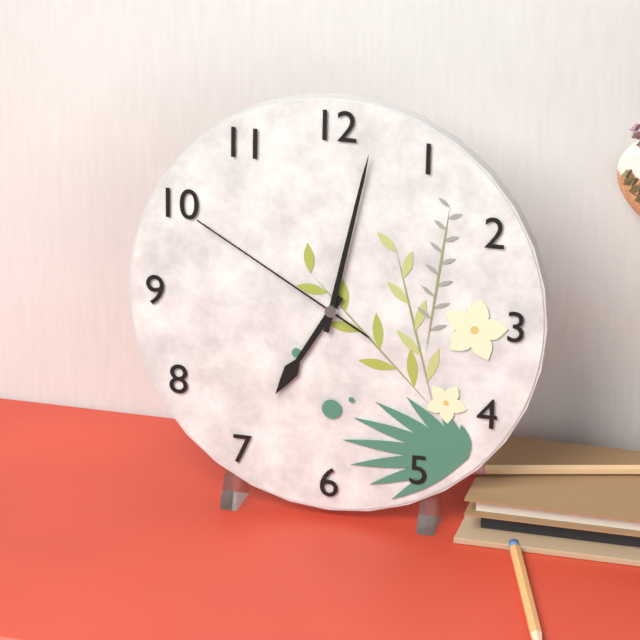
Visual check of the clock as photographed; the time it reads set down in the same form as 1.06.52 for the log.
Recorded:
7.02.50
